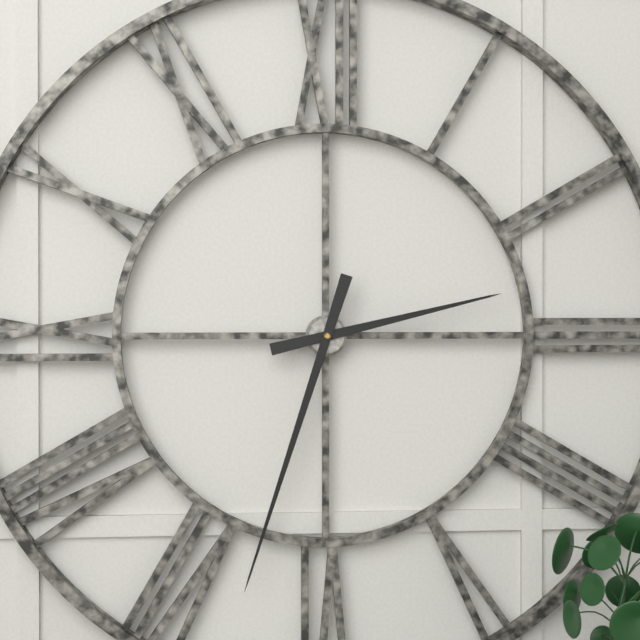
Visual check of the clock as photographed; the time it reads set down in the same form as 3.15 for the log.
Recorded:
2.33
